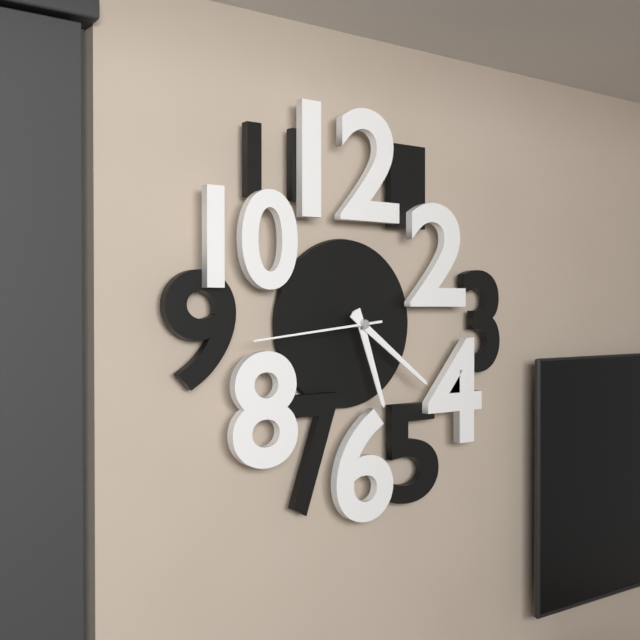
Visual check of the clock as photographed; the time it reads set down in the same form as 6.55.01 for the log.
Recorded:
5.21.44
